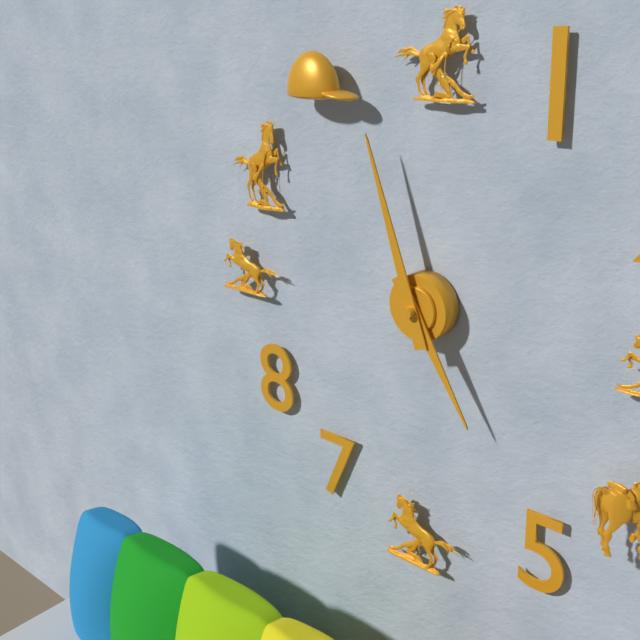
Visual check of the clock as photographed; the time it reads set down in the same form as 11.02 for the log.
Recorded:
4.57
